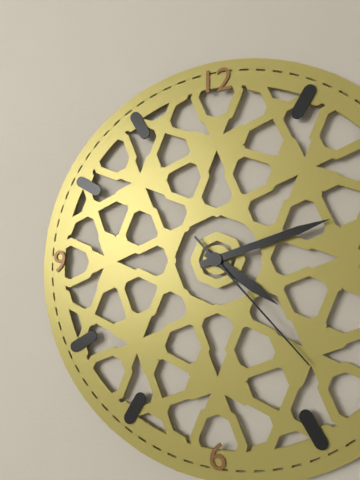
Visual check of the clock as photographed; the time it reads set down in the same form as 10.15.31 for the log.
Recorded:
4.12.23
